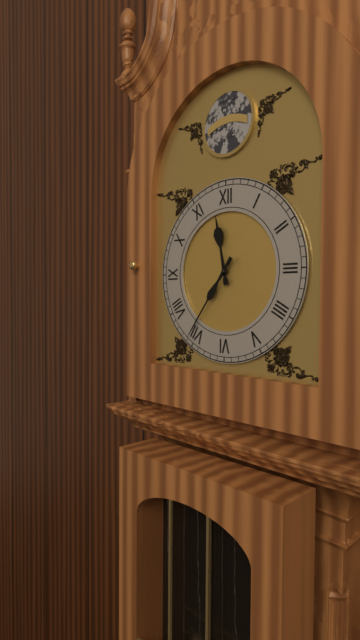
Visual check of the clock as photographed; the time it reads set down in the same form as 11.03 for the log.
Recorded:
11.36
